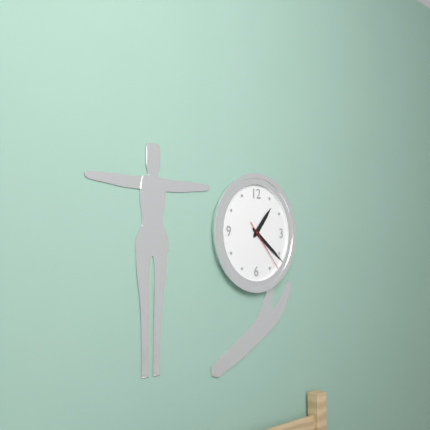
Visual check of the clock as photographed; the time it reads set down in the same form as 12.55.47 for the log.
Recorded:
1.21.23
